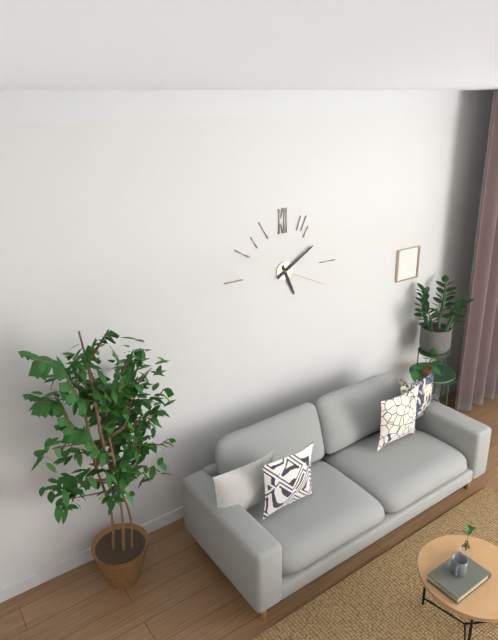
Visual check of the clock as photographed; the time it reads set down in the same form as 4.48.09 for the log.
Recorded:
5.10.19
